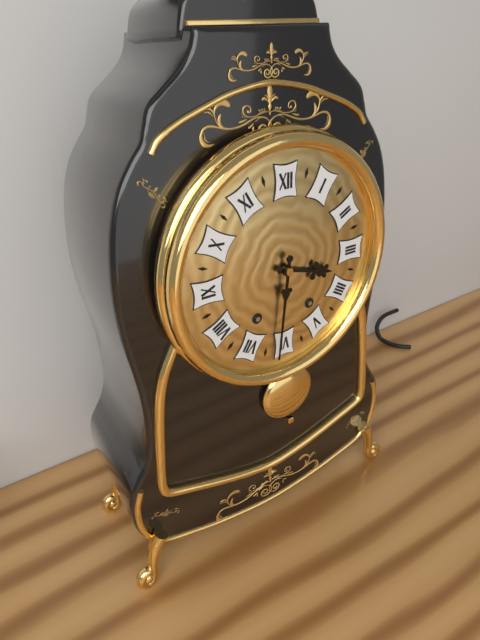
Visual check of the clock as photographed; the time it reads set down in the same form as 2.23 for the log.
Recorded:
3.31
